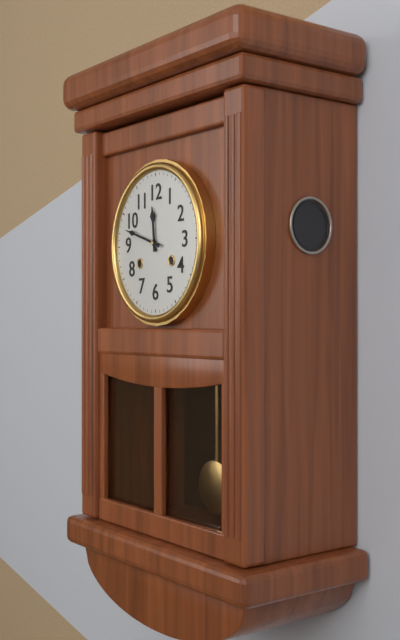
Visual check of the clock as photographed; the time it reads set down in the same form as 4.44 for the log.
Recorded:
11.48
